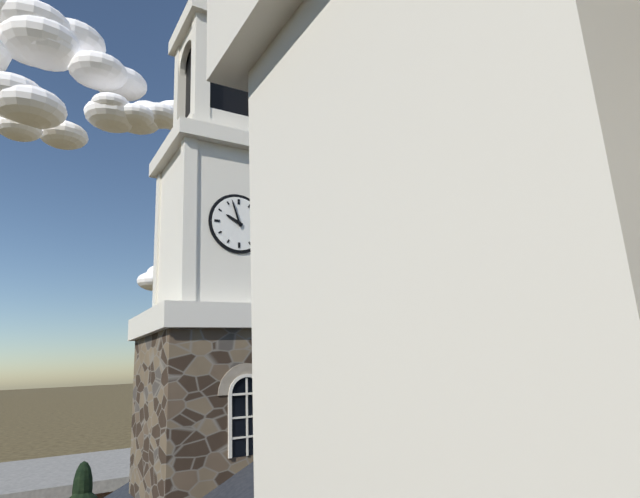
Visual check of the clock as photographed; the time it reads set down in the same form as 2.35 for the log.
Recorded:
9.57
